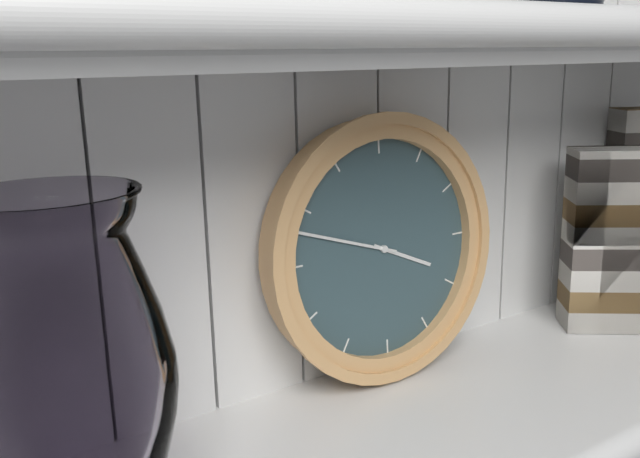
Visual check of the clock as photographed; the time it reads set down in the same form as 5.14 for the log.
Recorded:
3.48
